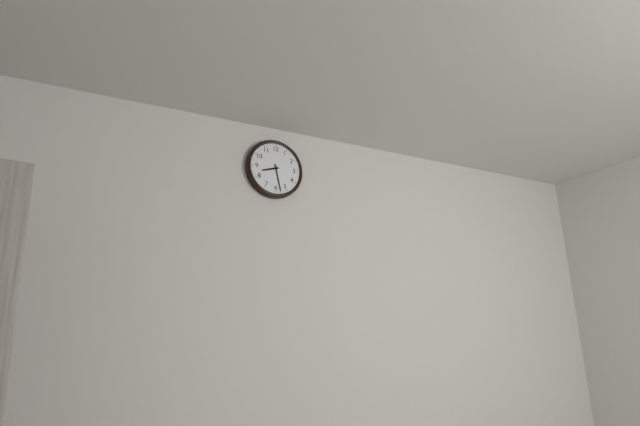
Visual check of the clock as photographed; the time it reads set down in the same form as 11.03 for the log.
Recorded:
8.28
